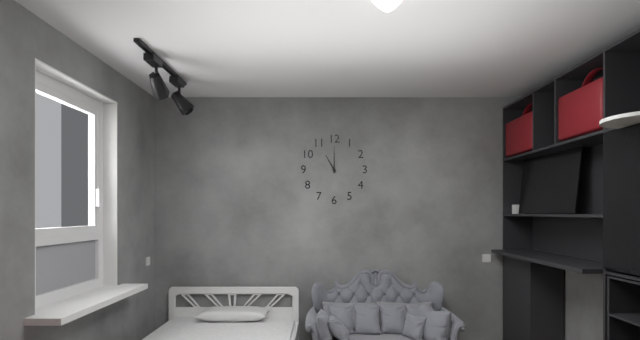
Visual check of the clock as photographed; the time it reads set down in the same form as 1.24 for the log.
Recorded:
11.00
